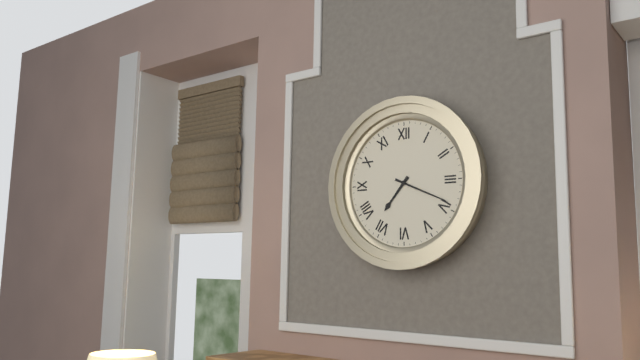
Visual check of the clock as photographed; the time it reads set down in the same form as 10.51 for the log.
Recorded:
7.19
